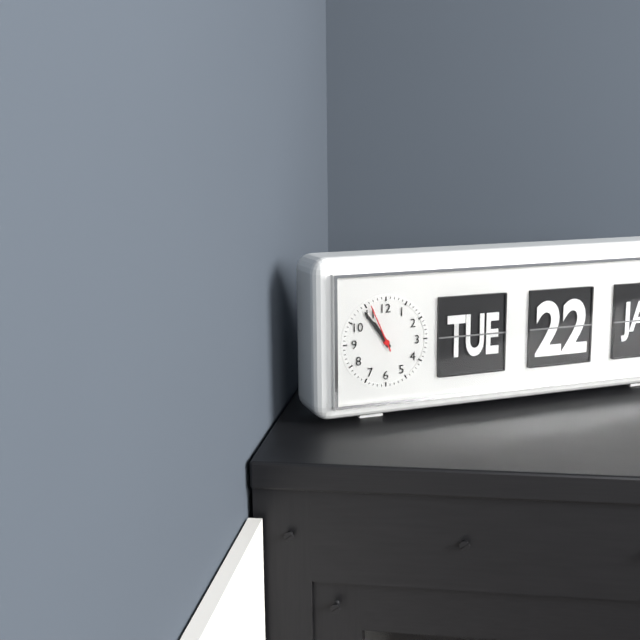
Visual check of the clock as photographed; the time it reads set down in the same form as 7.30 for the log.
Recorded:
10.54
